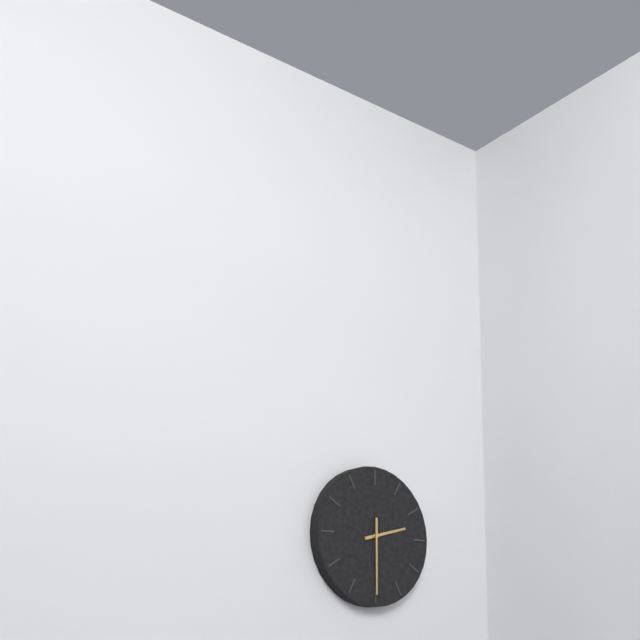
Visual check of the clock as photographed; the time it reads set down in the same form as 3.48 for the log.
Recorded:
2.30
